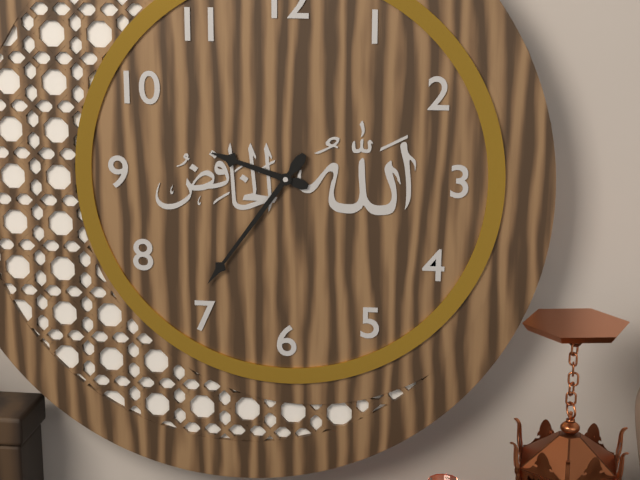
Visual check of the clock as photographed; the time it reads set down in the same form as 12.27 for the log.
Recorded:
9.36
